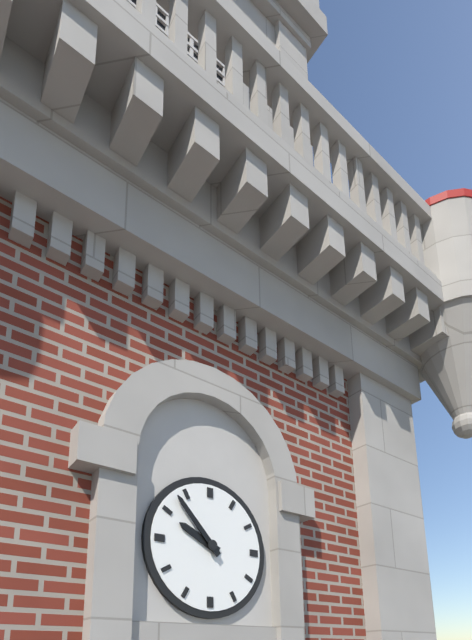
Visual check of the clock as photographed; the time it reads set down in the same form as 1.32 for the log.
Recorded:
9.53
